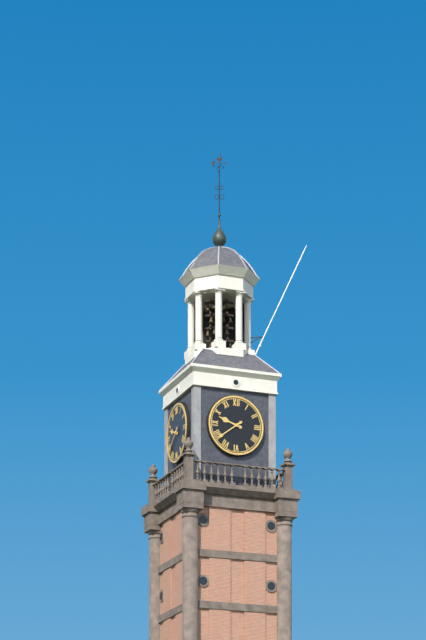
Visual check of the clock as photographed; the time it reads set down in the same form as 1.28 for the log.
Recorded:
9.39
